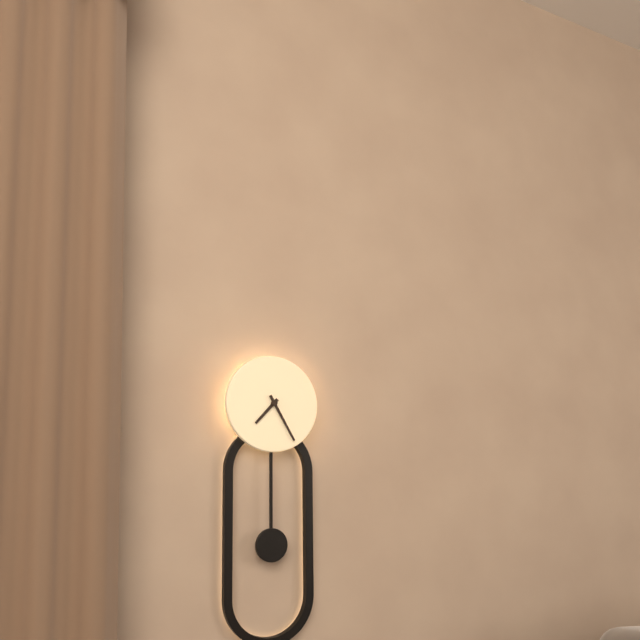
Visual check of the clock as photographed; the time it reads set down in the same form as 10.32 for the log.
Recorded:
7.25
